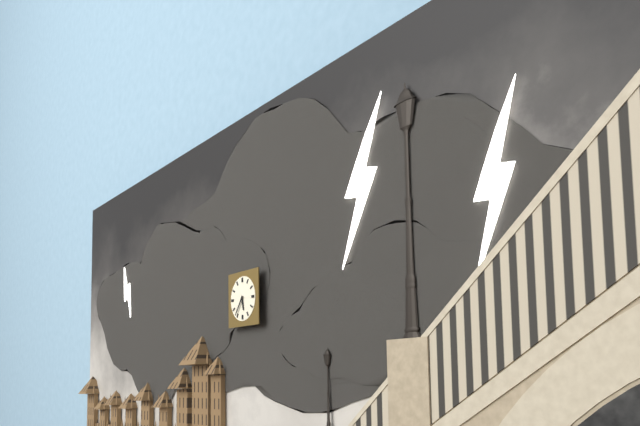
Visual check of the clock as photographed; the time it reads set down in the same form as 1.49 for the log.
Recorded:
5.36
